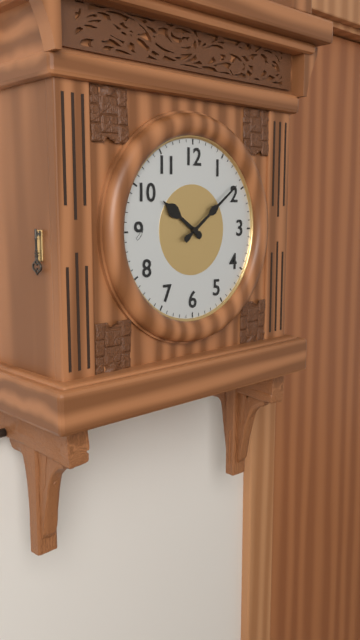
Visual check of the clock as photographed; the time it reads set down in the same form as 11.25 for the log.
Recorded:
10.09
